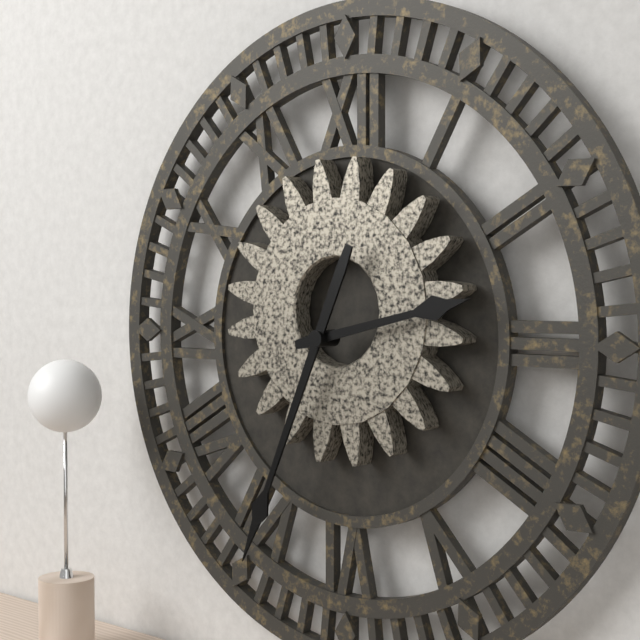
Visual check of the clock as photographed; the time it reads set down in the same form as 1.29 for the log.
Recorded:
2.34
